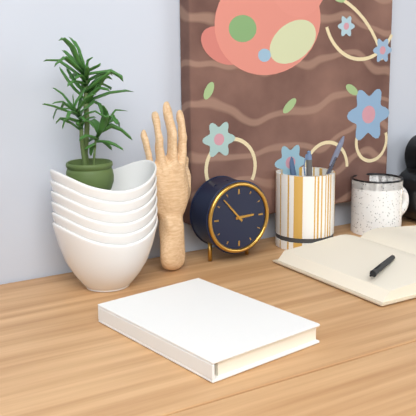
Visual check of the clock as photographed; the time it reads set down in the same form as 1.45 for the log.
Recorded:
2.53
